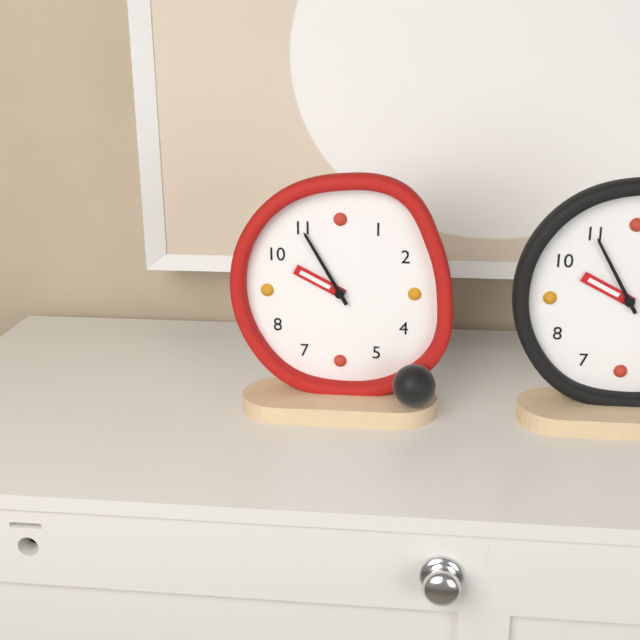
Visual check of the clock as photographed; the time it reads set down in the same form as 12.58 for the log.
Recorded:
9.55
